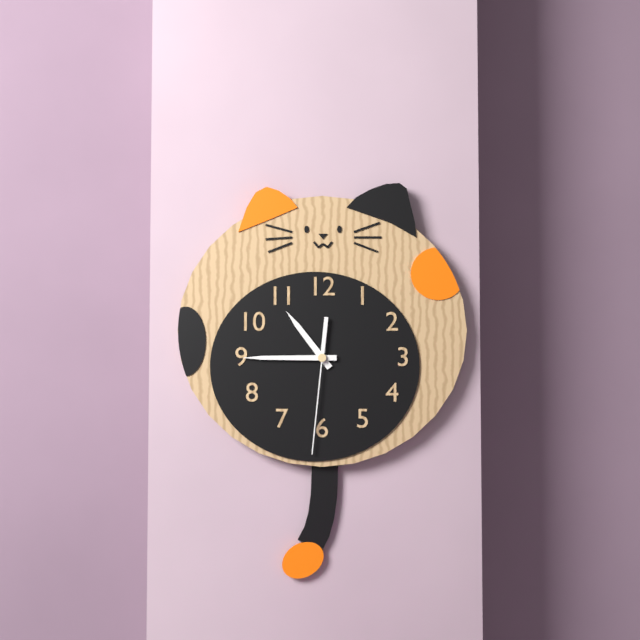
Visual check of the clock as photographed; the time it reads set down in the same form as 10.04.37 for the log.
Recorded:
10.45.31
